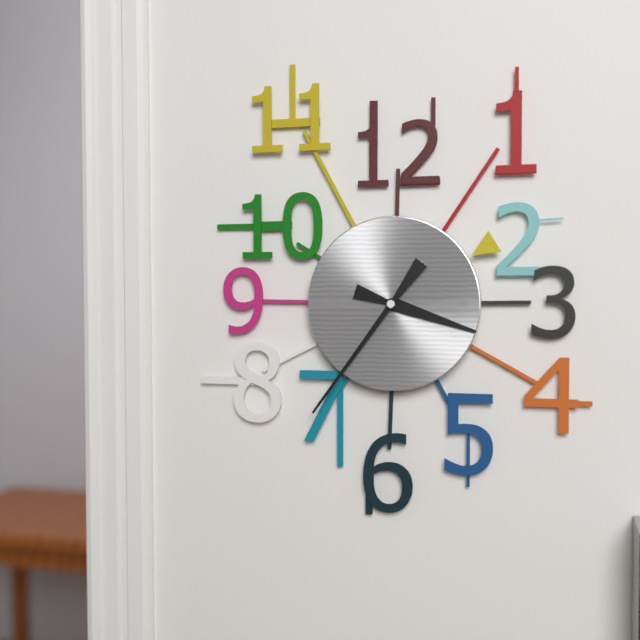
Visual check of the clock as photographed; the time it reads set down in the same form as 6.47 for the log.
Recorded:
3.36
